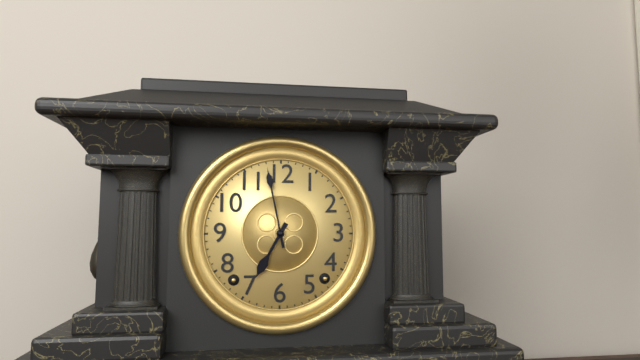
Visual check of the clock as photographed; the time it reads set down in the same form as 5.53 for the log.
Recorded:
6.58
